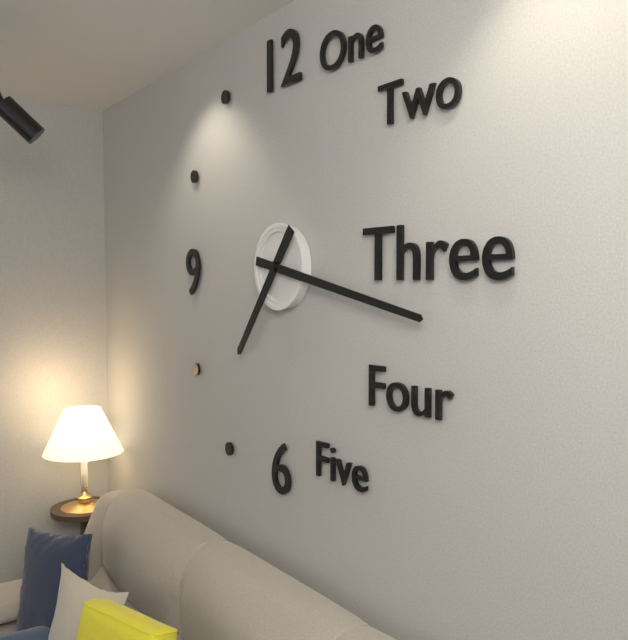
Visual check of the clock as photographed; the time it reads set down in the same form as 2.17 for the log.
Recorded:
7.17
